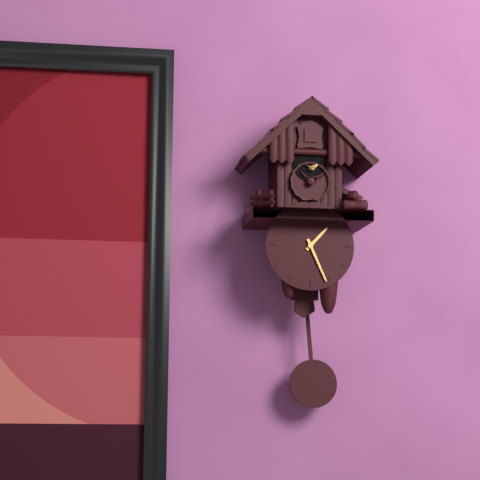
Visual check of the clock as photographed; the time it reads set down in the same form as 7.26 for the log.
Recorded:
1.26
